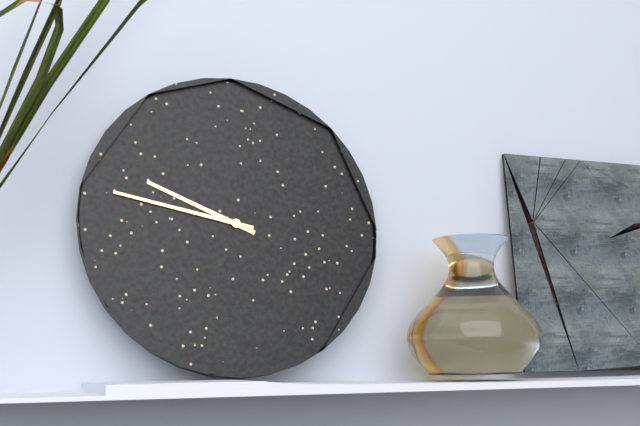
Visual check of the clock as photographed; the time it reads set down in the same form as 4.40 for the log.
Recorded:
9.47
